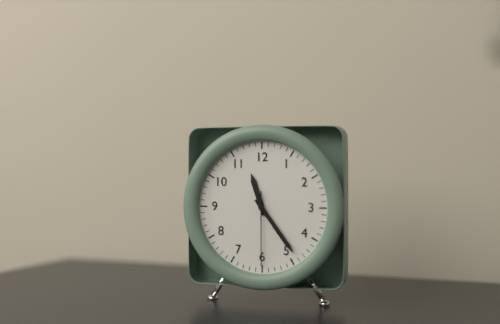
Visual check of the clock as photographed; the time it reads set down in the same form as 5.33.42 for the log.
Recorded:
11.24.30
